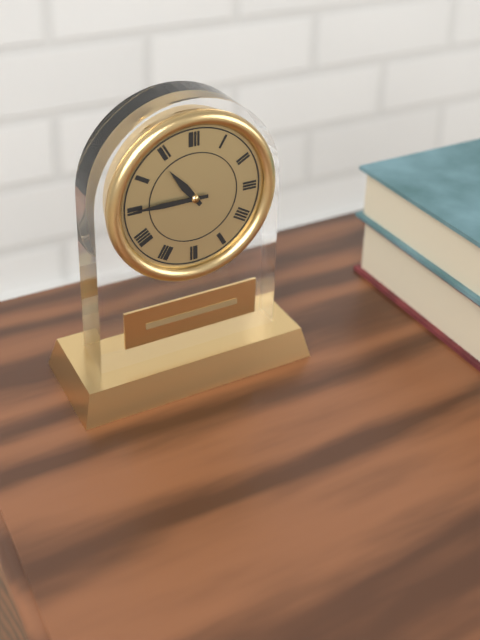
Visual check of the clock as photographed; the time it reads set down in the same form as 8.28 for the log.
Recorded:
10.45
